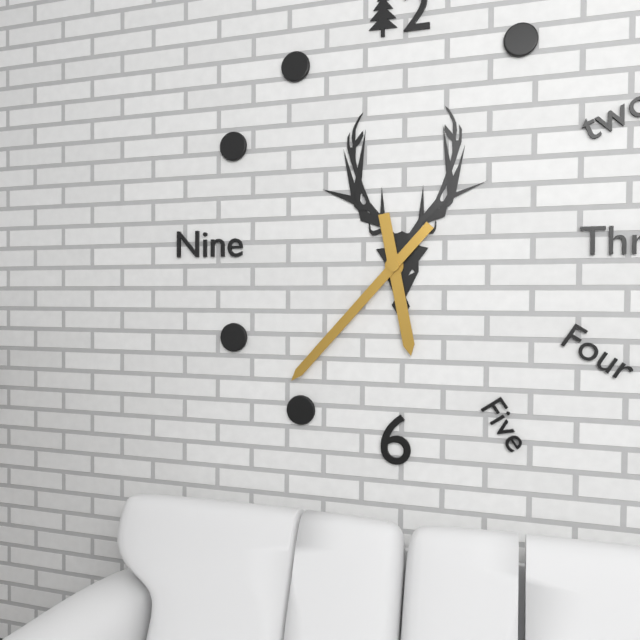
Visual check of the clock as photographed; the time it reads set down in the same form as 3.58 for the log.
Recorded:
5.37
